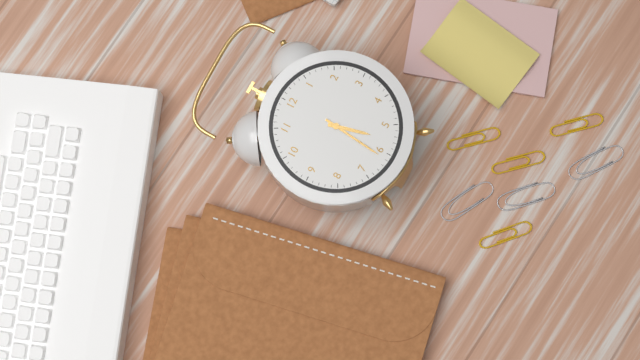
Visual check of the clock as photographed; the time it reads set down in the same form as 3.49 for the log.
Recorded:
5.31
